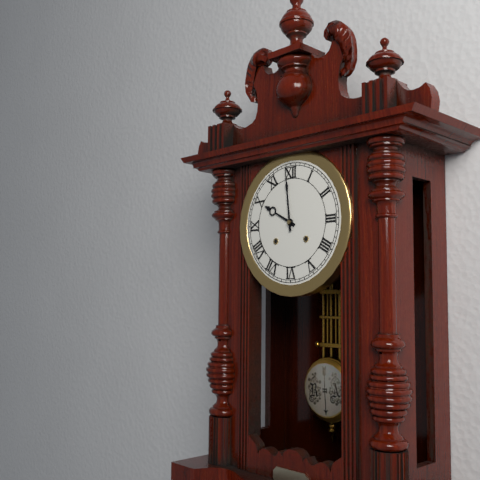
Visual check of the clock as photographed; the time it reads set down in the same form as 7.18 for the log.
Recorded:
9.59
